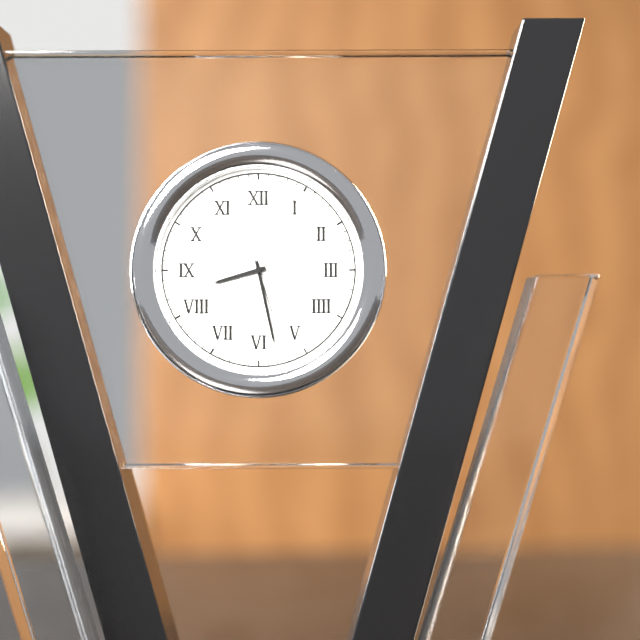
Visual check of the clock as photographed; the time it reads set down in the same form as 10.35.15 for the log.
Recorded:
8.28.27
